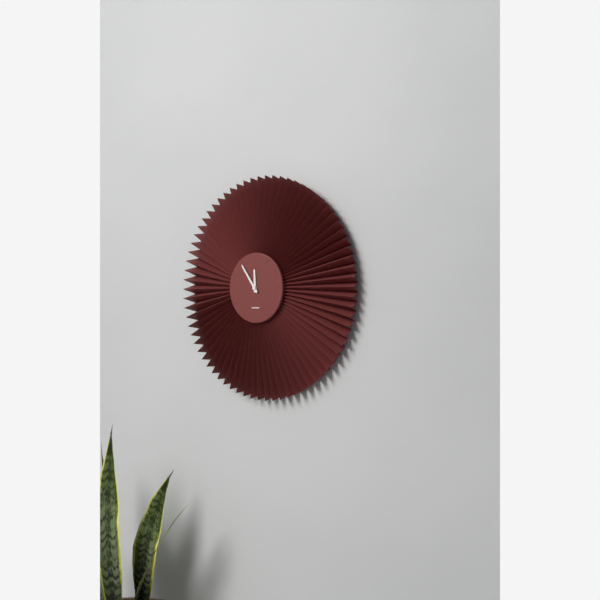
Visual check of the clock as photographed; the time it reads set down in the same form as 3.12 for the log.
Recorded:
11.54
